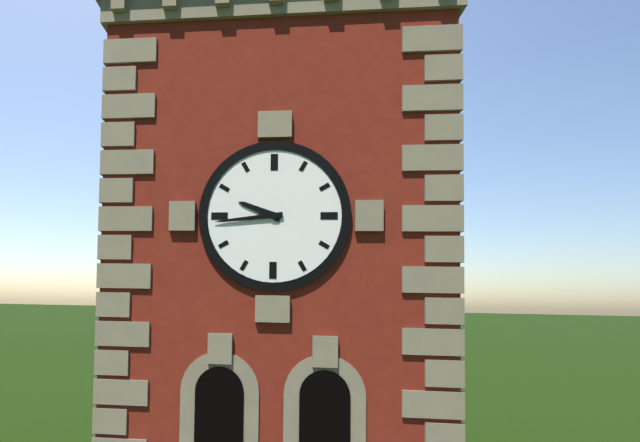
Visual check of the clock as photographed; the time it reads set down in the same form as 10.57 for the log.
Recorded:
9.44
